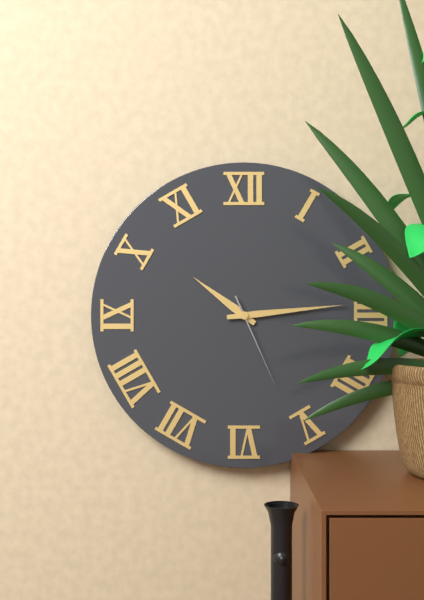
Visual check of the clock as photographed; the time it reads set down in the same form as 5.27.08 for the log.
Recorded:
10.14.26
